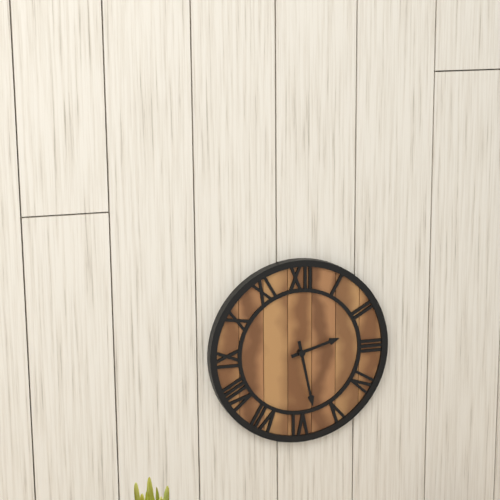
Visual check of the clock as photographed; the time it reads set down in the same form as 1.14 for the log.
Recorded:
2.28
